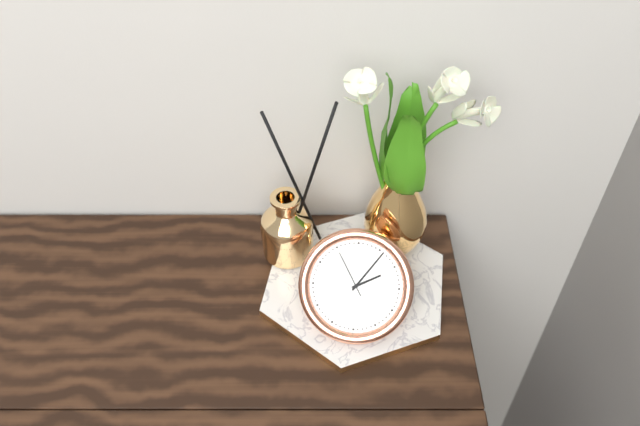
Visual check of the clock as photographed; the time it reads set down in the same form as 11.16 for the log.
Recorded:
2.06
